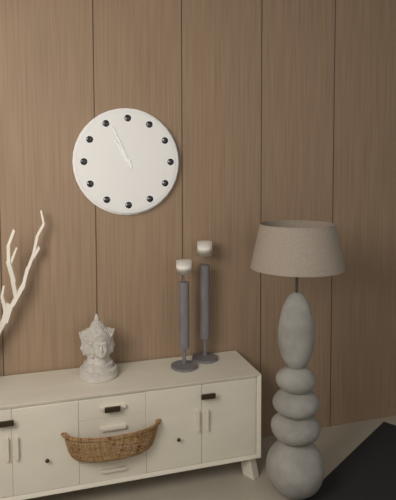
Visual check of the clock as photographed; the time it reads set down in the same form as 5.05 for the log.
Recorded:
10.56
